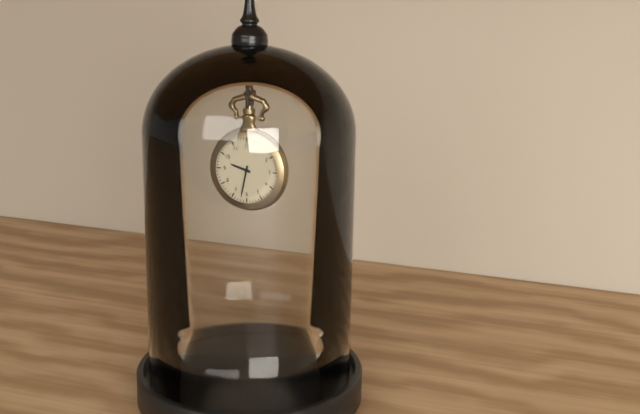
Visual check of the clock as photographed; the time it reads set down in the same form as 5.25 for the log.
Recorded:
9.32
